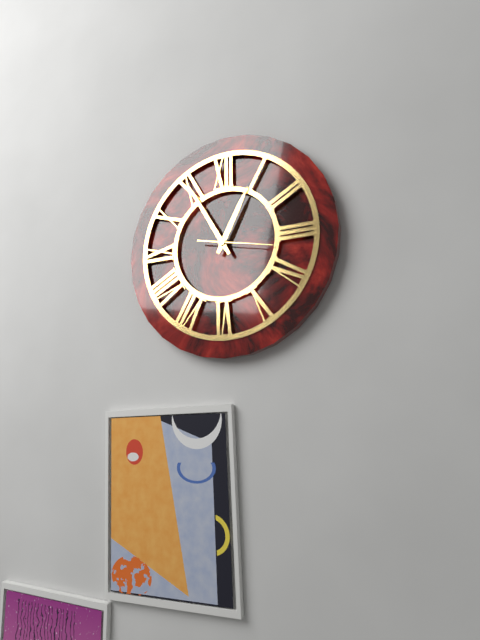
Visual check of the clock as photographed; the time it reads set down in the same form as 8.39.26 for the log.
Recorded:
12.55.17
